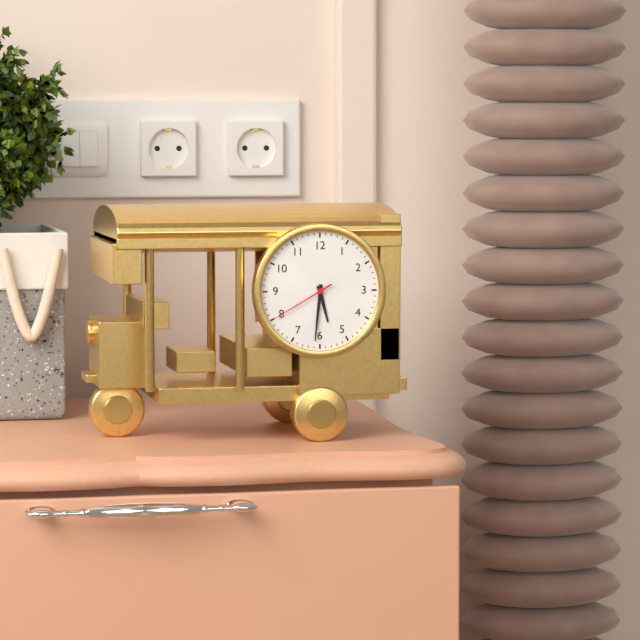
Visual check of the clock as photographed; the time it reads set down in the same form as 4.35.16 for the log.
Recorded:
5.31.40
